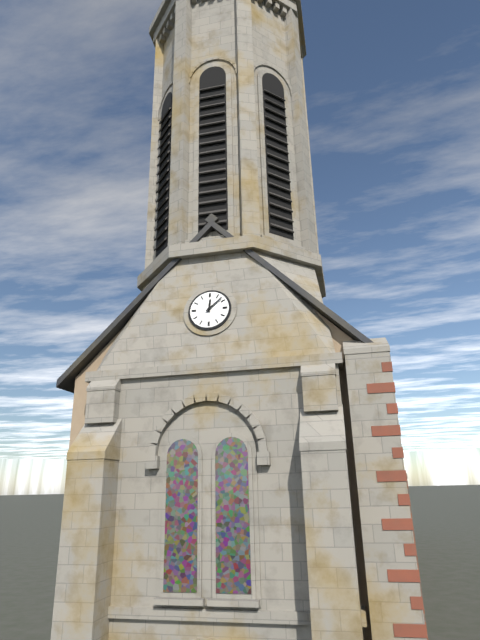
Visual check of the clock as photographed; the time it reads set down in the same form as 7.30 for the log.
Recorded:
12.08
